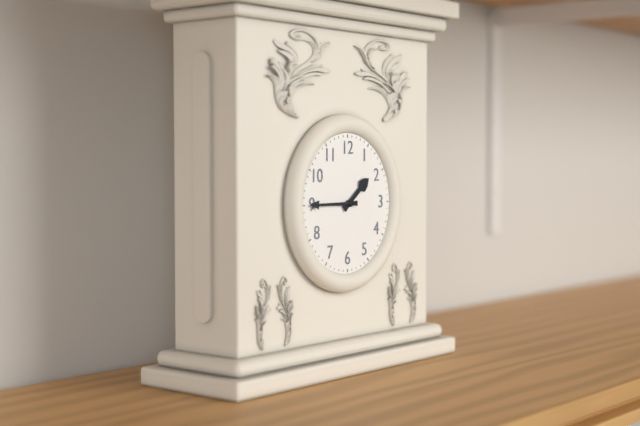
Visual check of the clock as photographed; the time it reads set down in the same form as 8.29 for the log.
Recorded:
1.45
